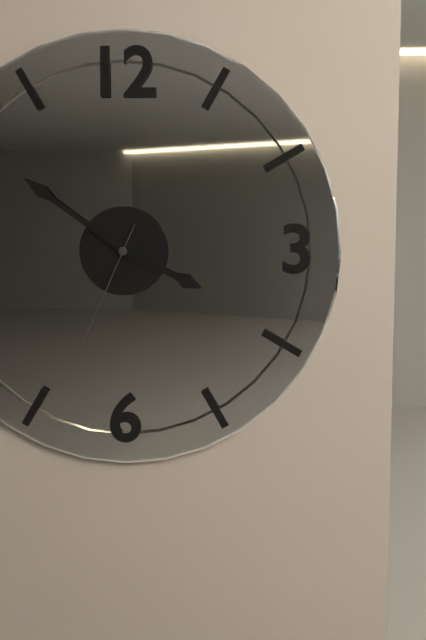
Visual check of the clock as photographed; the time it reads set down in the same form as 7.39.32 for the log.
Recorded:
3.51.34
